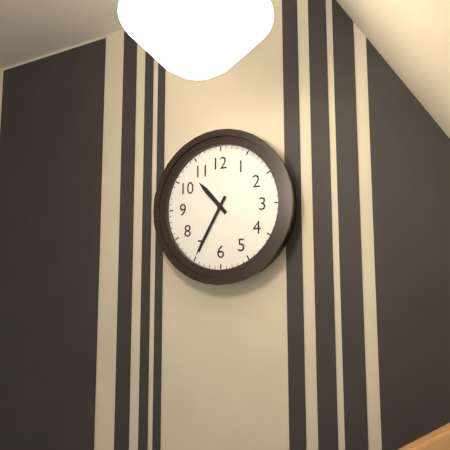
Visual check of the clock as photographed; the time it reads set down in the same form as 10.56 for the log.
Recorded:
10.35
